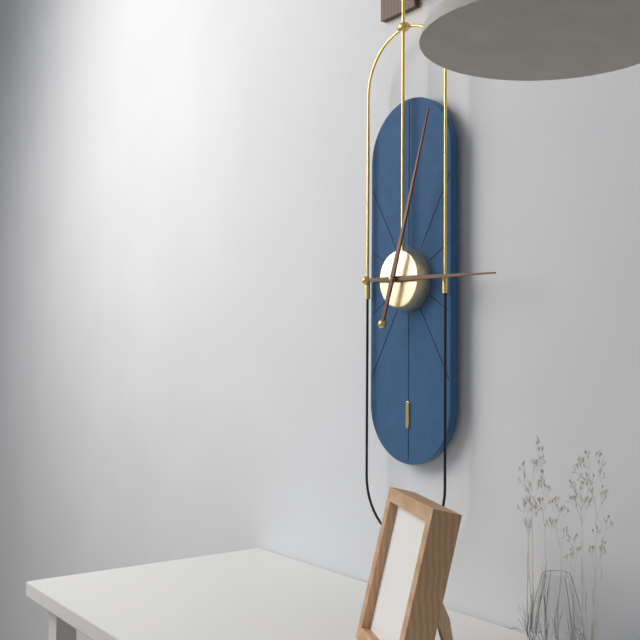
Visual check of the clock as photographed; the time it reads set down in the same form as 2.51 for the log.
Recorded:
3.03
